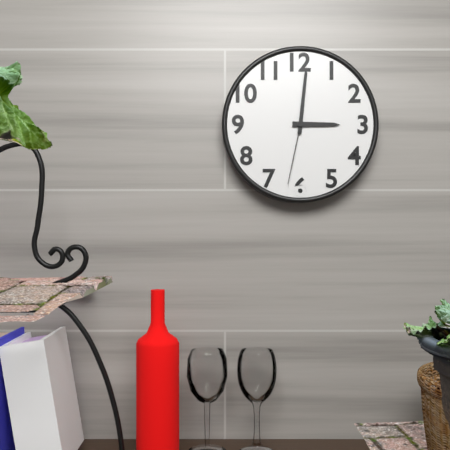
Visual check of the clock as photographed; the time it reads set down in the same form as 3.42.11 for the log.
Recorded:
3.01.32
